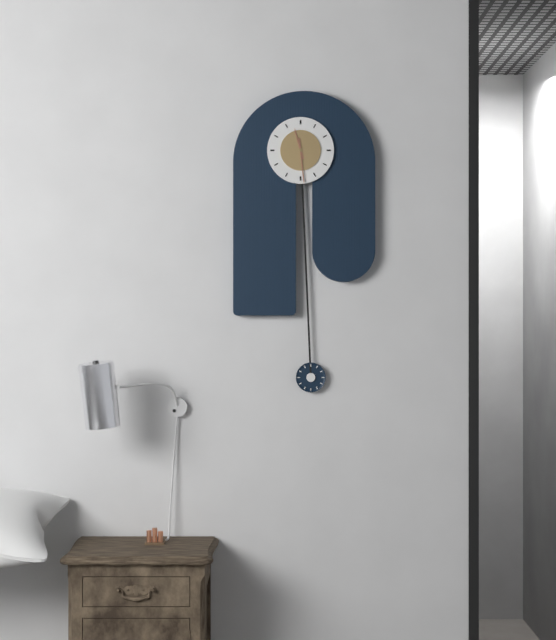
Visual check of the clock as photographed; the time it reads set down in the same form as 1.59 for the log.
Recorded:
11.29
